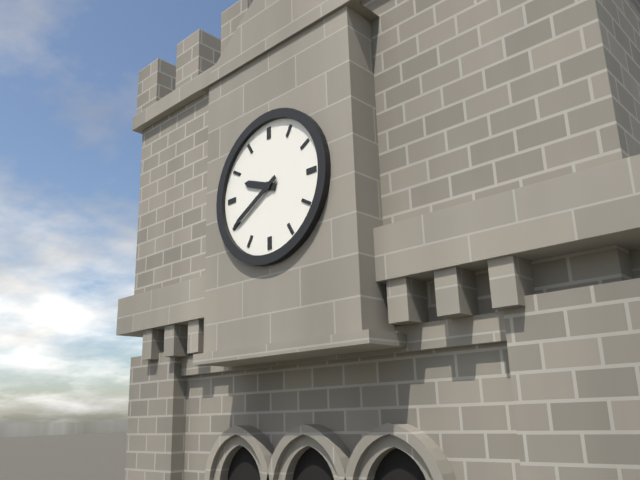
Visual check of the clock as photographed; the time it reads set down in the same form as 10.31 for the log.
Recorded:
9.40
